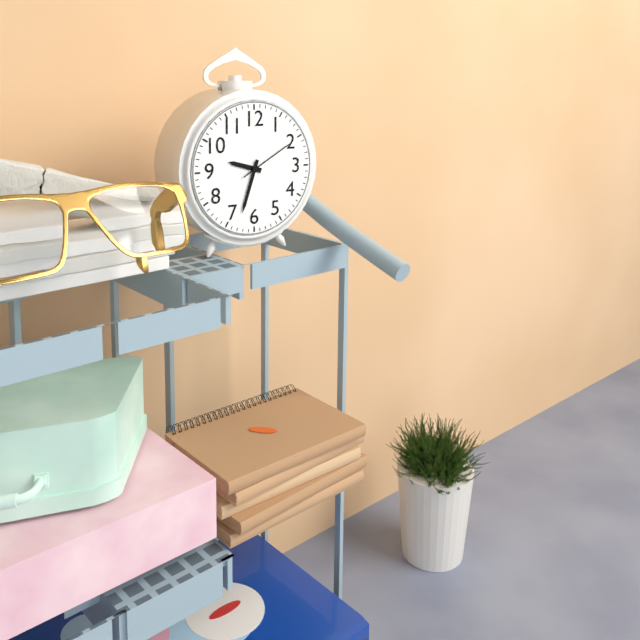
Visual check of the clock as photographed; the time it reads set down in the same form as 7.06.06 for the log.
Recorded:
9.33.10
